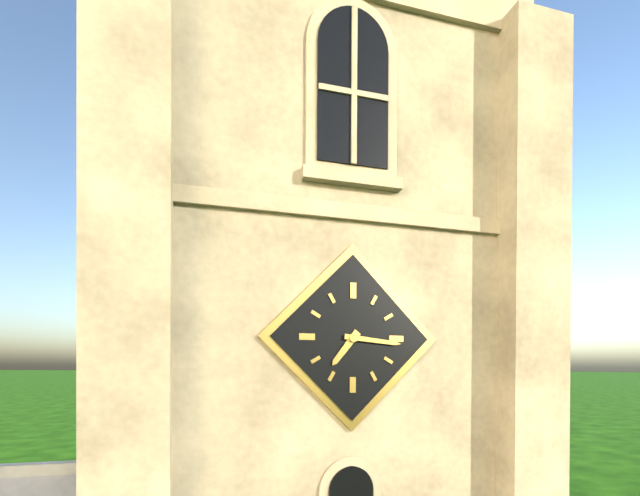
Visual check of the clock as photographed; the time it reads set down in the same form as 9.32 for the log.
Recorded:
7.16
